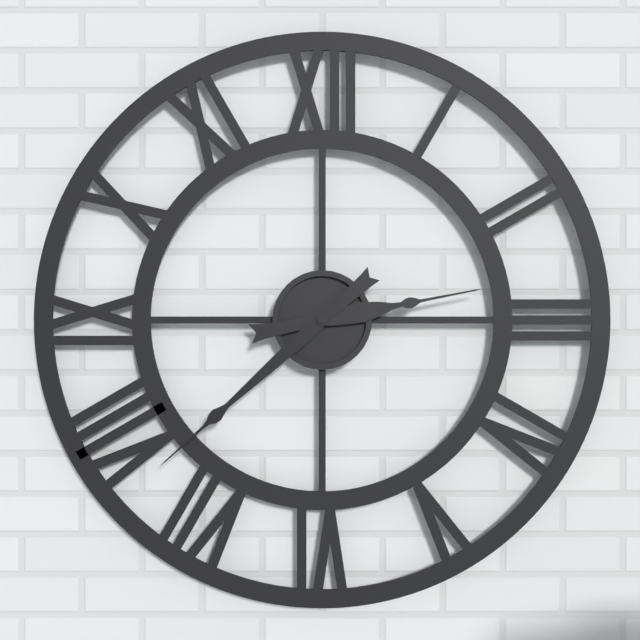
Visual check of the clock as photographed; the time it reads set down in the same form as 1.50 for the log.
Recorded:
2.38
